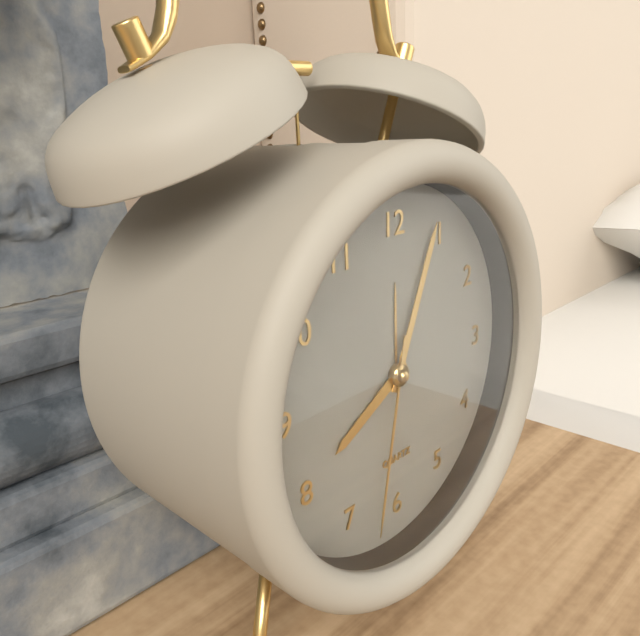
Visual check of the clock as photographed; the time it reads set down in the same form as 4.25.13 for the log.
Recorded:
8.04.32
